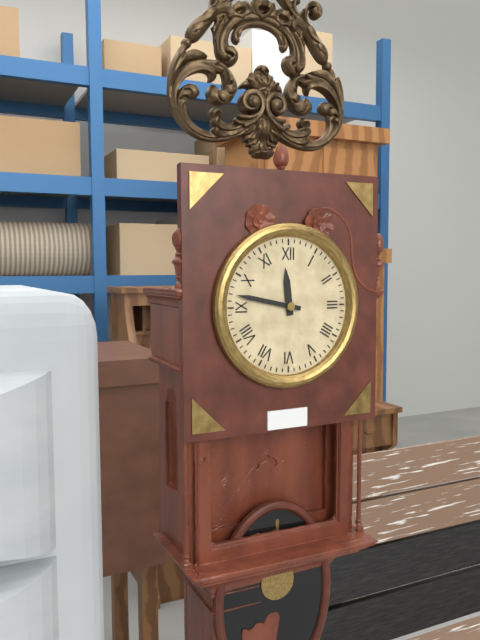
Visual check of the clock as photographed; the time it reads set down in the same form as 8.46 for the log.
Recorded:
11.47
